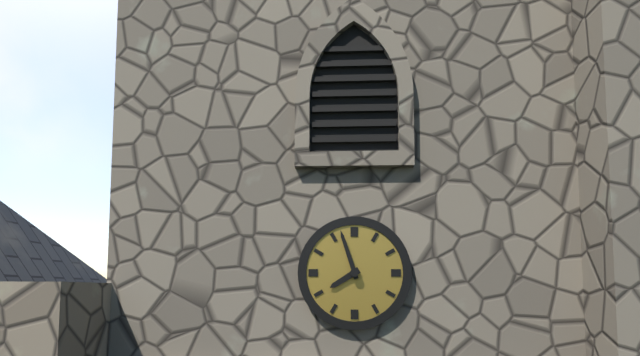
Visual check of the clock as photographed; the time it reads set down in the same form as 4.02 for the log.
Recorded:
7.57
